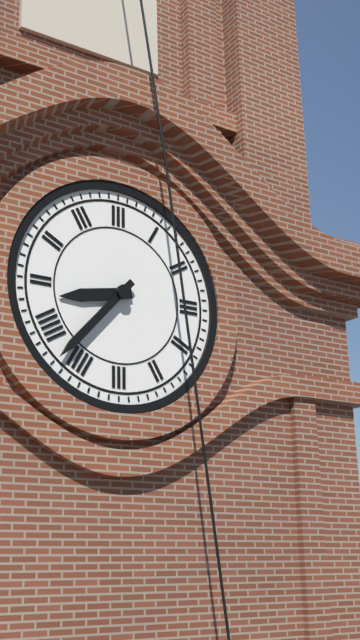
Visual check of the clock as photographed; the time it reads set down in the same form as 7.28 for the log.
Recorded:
8.37
